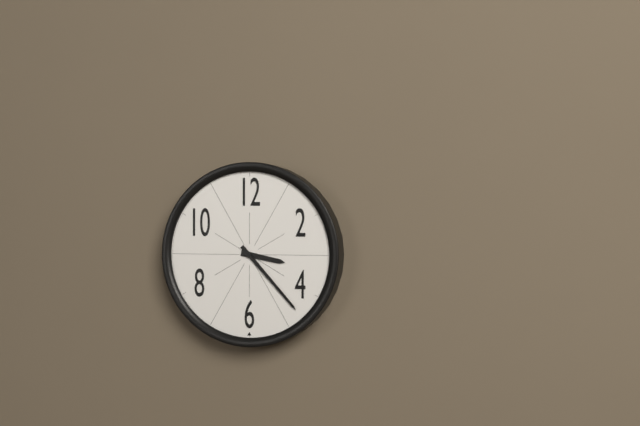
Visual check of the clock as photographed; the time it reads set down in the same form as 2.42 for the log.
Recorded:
3.23
